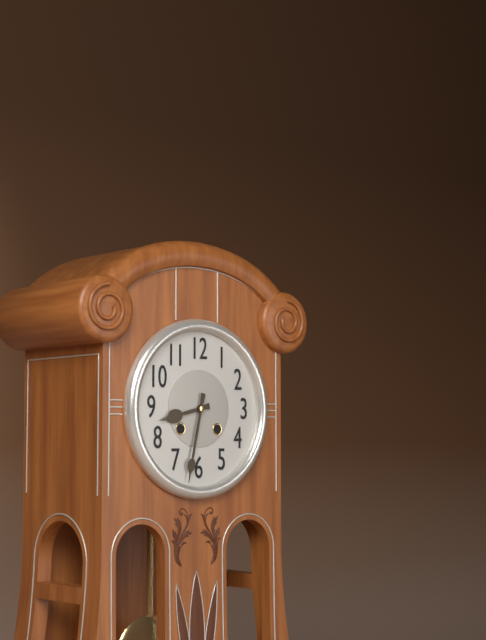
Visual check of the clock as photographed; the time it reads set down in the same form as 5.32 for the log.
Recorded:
8.32
